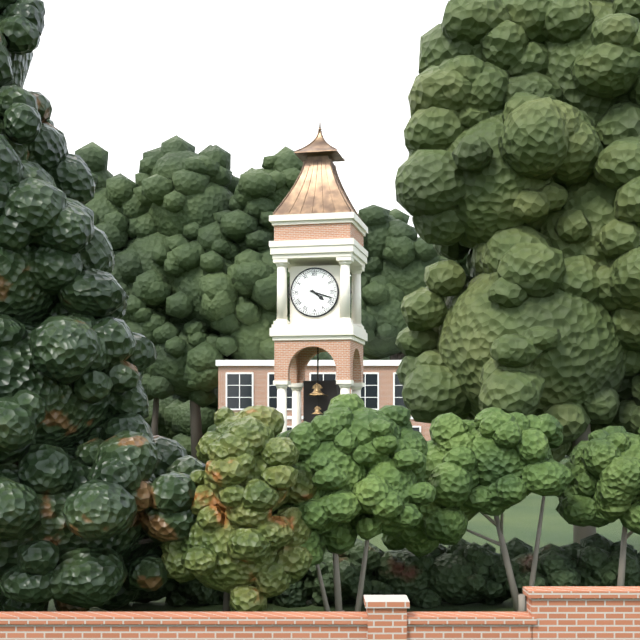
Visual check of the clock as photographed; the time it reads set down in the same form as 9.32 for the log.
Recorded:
4.18
